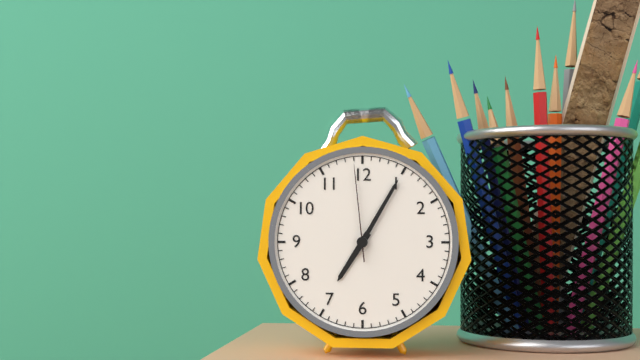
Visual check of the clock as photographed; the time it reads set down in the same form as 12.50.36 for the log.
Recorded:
7.05.59
